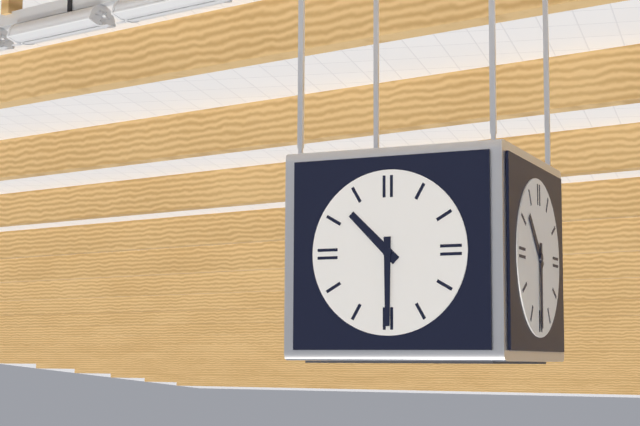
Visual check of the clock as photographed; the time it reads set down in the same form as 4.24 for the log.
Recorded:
10.30
